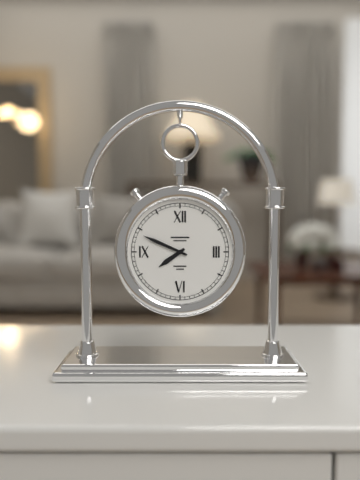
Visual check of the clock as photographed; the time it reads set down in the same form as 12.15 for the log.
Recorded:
7.49
